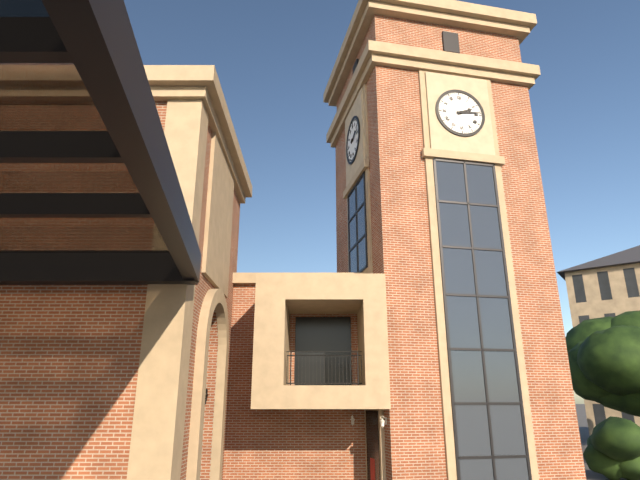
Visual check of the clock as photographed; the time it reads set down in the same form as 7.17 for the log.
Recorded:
2.14
